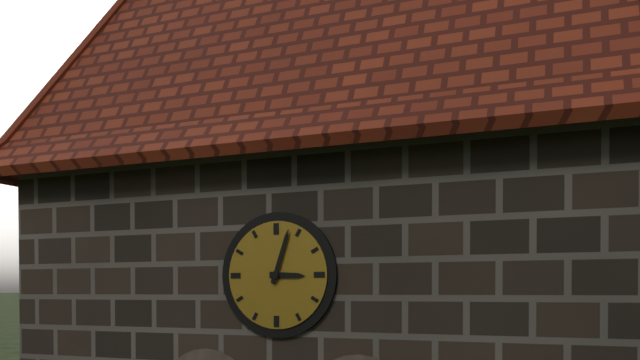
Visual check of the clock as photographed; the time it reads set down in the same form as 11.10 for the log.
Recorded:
3.03
